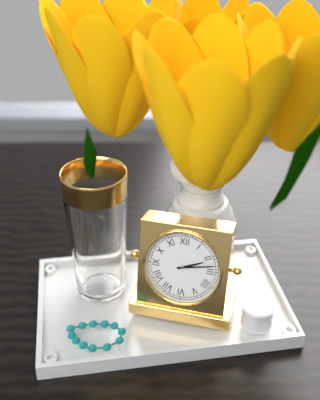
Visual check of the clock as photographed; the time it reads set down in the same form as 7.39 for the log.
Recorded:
2.13
